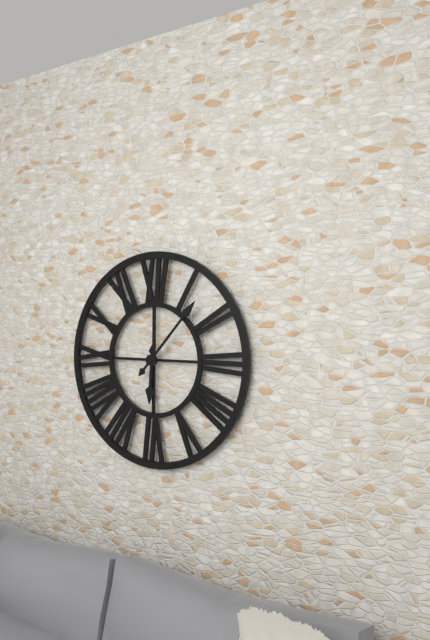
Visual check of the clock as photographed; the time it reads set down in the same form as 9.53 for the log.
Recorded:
6.07
